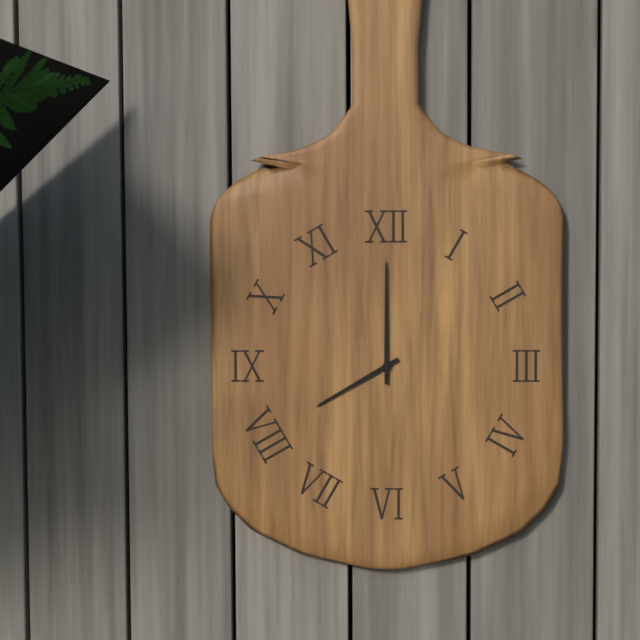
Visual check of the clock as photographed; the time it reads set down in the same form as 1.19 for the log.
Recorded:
8.00
